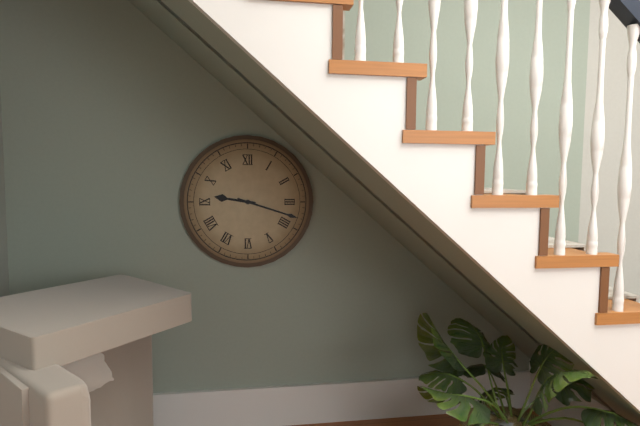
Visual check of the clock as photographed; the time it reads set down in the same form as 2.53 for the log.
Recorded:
9.18
